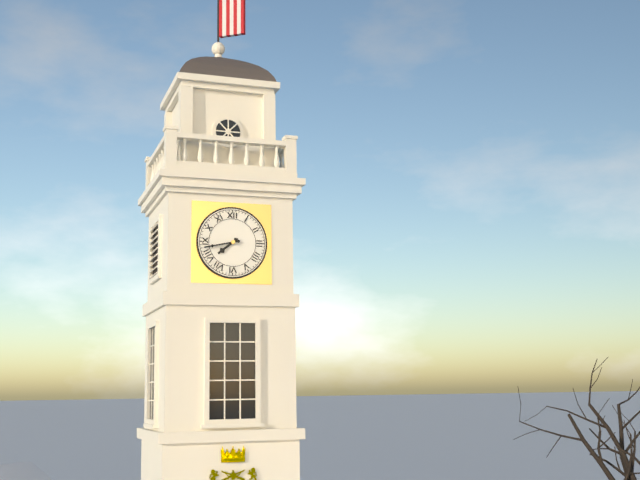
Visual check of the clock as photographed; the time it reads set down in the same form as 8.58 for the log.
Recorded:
7.43
